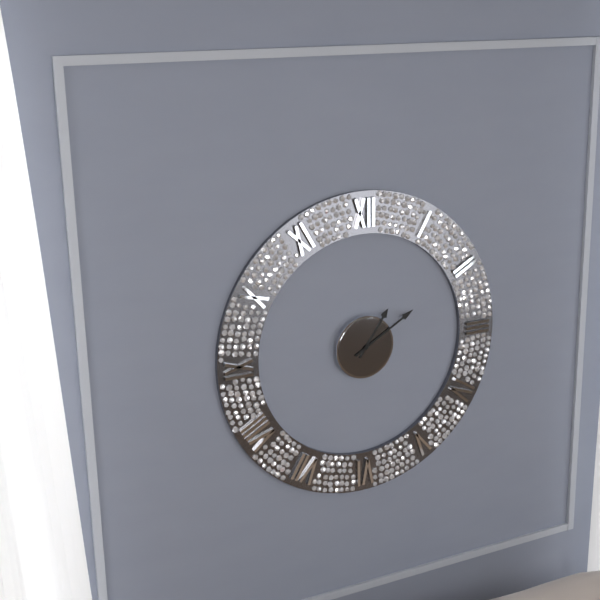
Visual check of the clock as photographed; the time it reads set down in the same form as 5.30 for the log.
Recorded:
1.10
